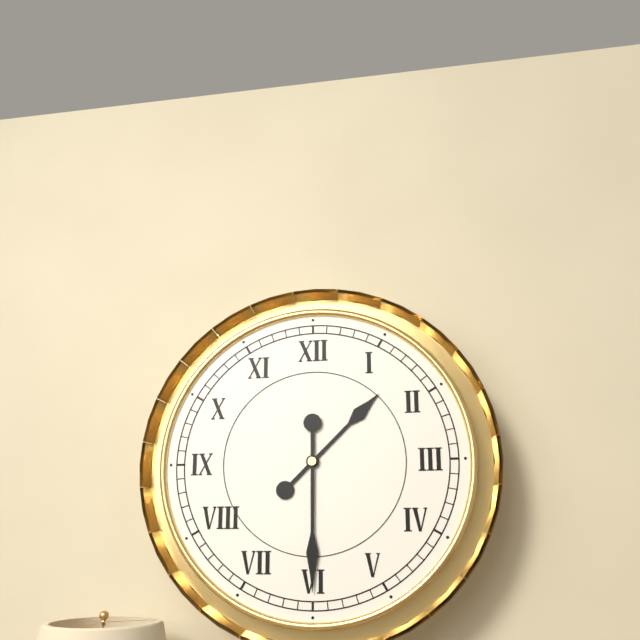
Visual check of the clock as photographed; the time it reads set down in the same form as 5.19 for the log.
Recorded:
1.30
